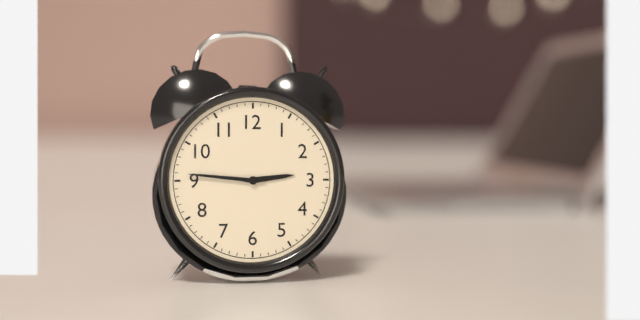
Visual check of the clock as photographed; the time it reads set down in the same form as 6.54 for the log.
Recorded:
2.46
